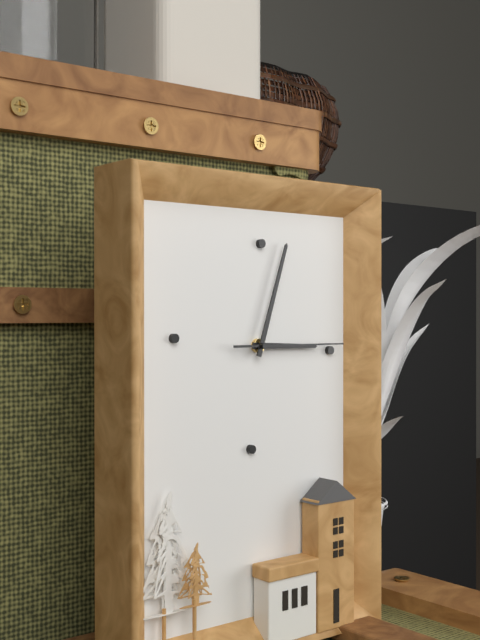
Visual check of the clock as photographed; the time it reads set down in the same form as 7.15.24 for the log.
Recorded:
3.03.15
